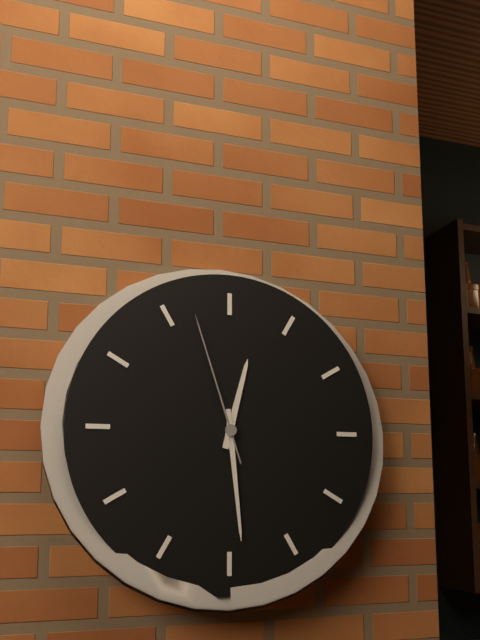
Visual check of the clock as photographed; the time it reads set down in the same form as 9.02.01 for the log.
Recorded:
12.29.57
